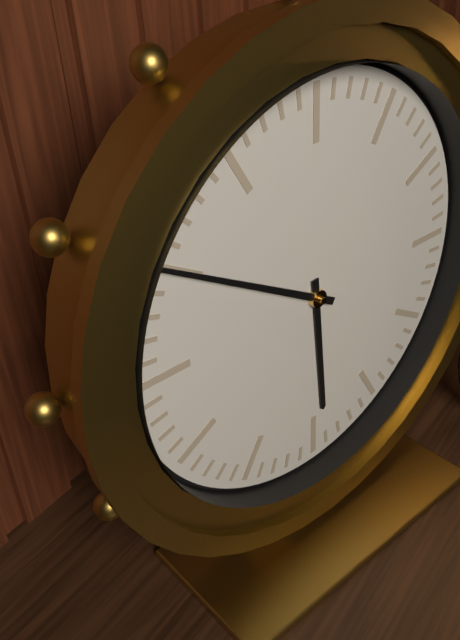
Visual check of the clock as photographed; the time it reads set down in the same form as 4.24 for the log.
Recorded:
5.50
